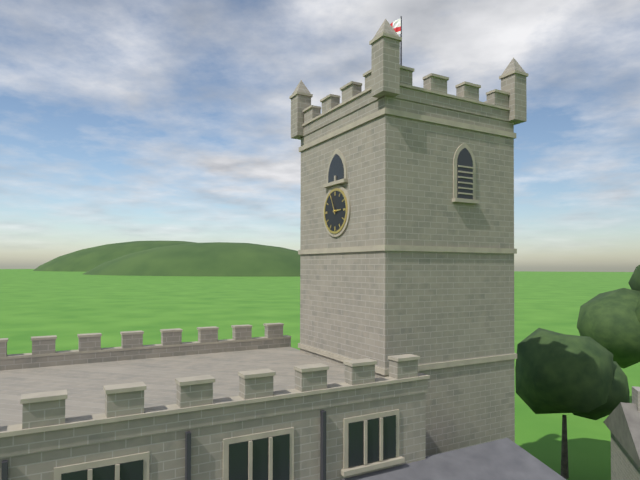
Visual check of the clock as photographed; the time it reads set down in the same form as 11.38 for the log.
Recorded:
2.56
